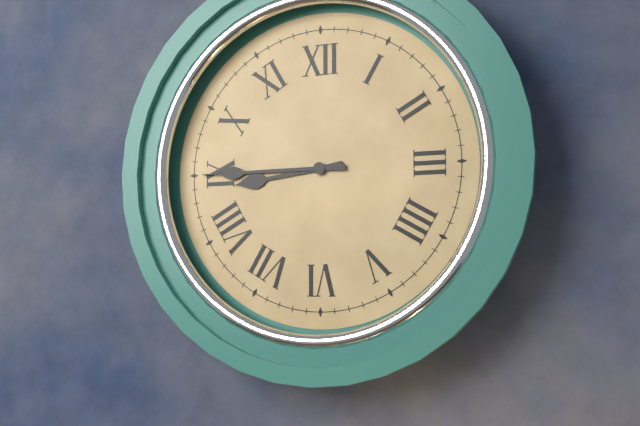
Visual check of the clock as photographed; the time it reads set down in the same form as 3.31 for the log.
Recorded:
8.45
